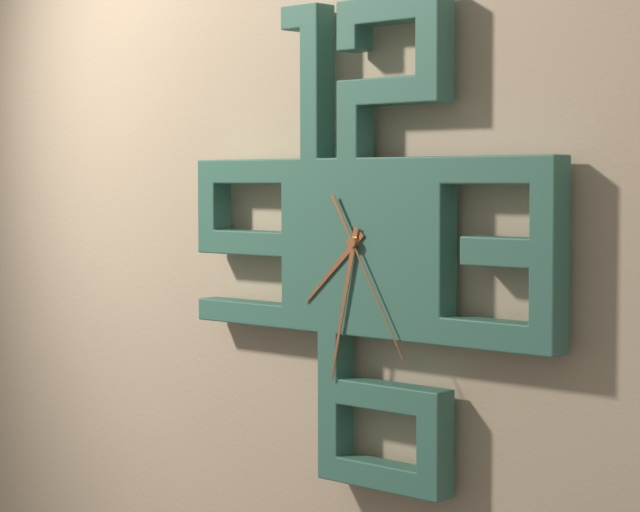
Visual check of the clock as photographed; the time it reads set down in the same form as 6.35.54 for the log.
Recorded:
7.32.25
